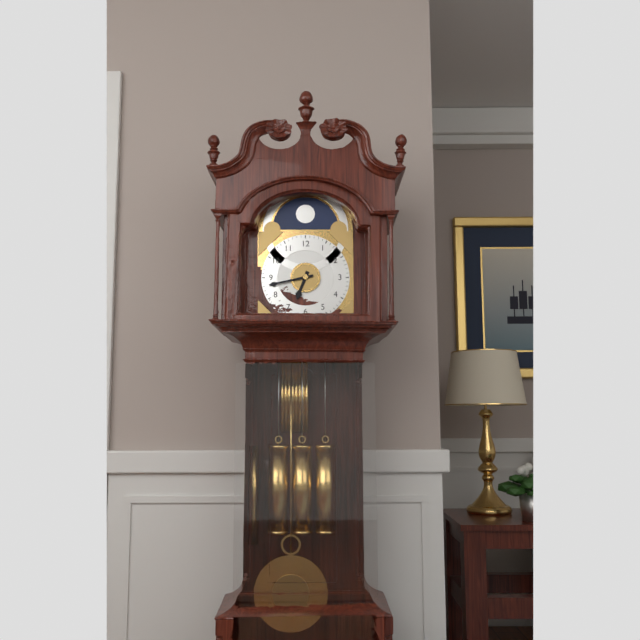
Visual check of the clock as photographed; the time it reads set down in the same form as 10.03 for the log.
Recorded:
6.43
